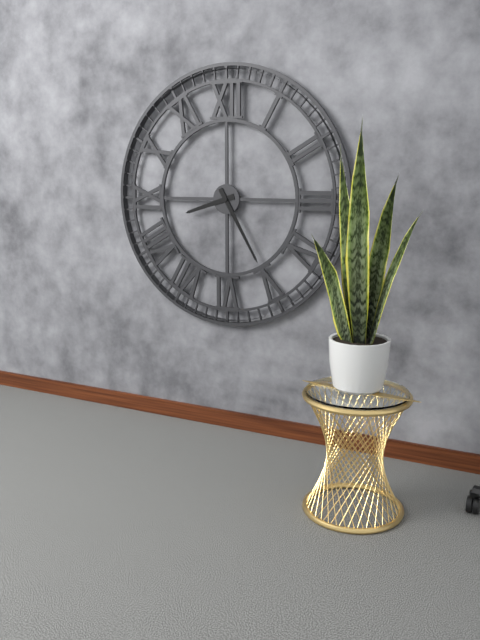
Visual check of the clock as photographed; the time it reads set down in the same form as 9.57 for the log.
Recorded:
8.25
